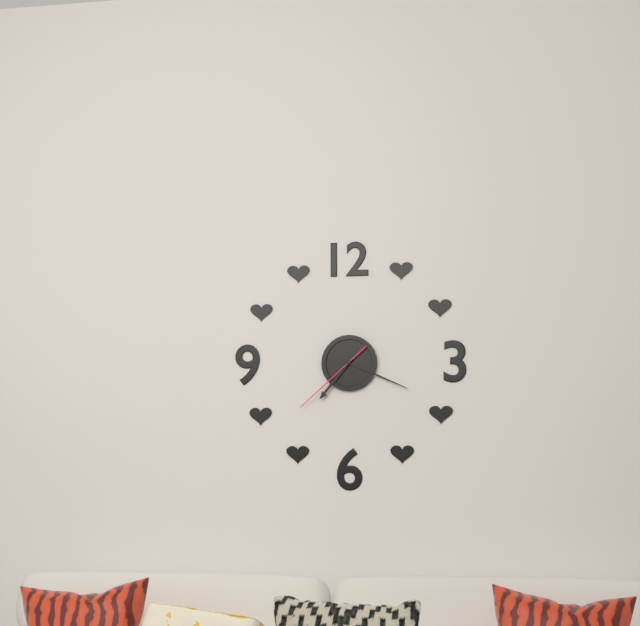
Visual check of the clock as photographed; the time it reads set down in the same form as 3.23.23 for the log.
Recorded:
7.19.38
